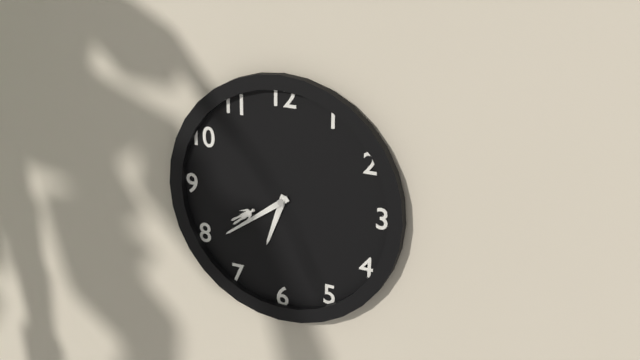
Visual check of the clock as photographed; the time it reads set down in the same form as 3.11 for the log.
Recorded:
6.39
